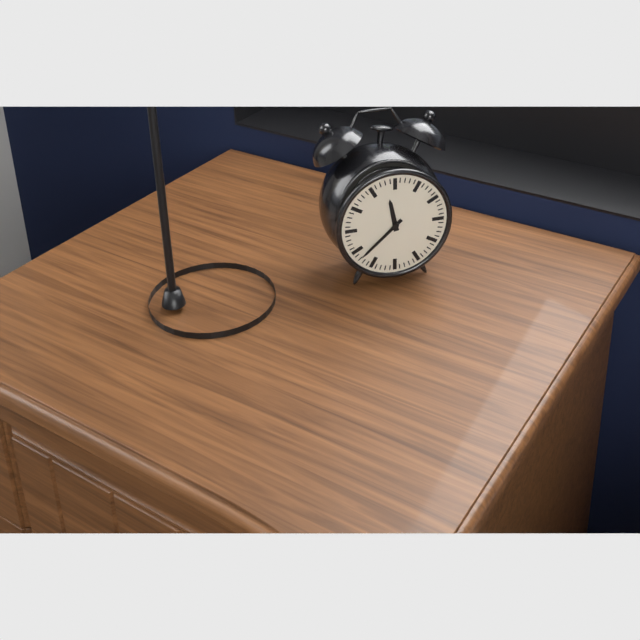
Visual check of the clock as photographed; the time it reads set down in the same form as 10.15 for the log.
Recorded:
11.38
